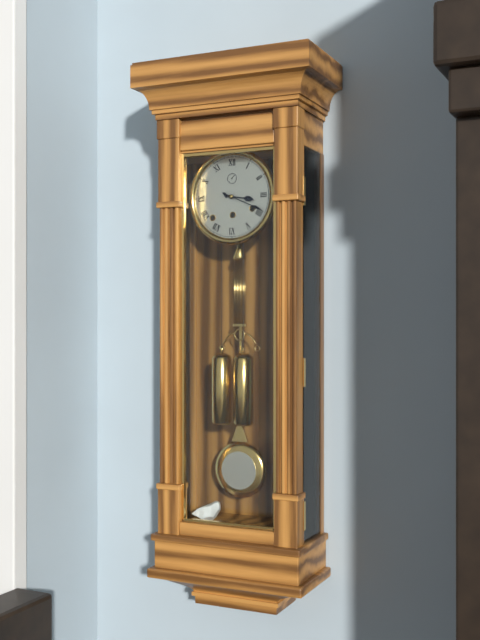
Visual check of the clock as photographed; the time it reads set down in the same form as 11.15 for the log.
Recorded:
3.19
